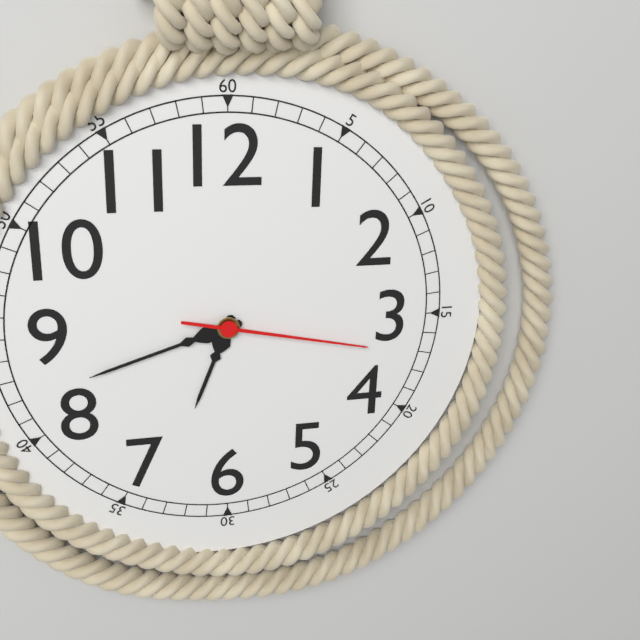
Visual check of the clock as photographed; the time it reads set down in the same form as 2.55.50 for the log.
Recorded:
6.42.17
